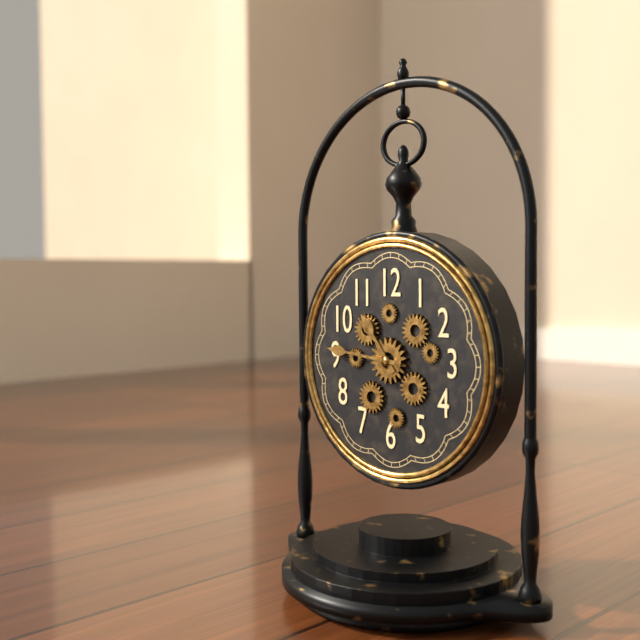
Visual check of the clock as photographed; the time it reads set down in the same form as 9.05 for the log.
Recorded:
10.46
